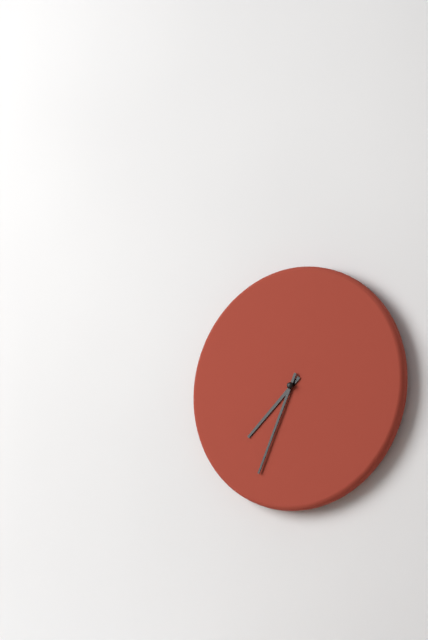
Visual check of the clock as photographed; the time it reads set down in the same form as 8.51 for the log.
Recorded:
7.34
